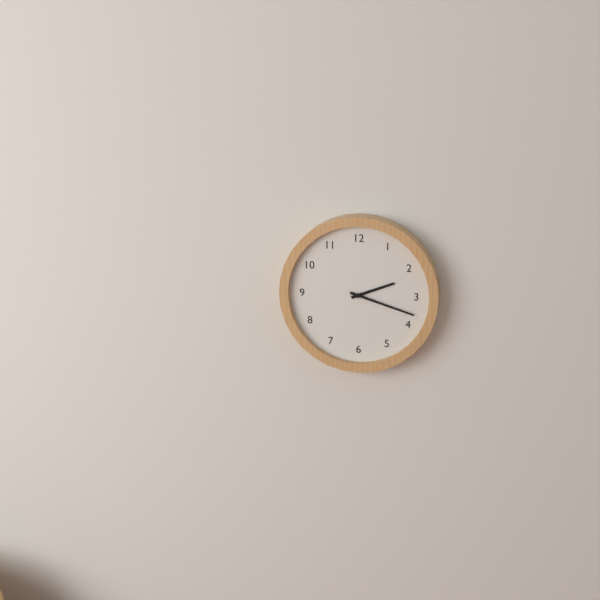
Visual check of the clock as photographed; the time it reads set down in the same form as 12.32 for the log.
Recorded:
2.18
